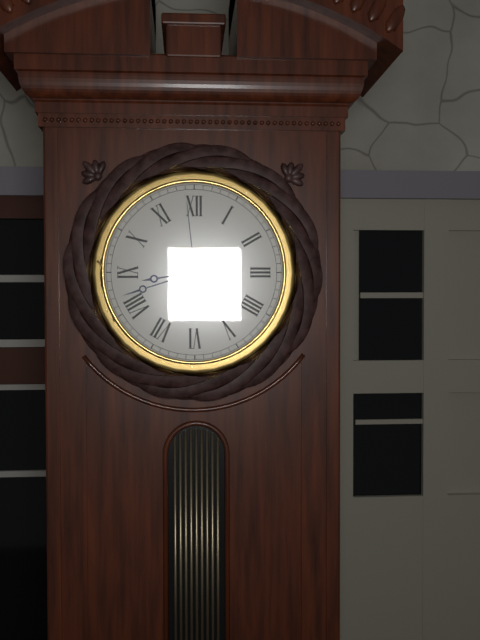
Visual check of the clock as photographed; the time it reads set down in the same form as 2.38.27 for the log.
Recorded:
8.42.59
